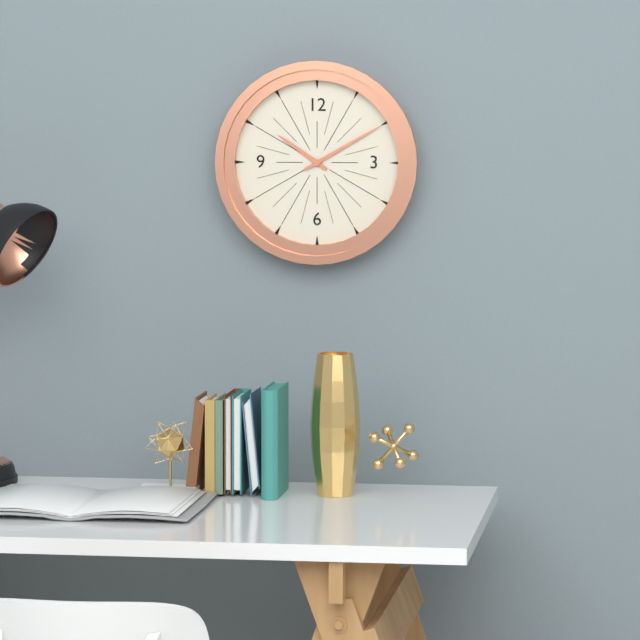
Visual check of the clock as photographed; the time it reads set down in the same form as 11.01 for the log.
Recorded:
10.10
